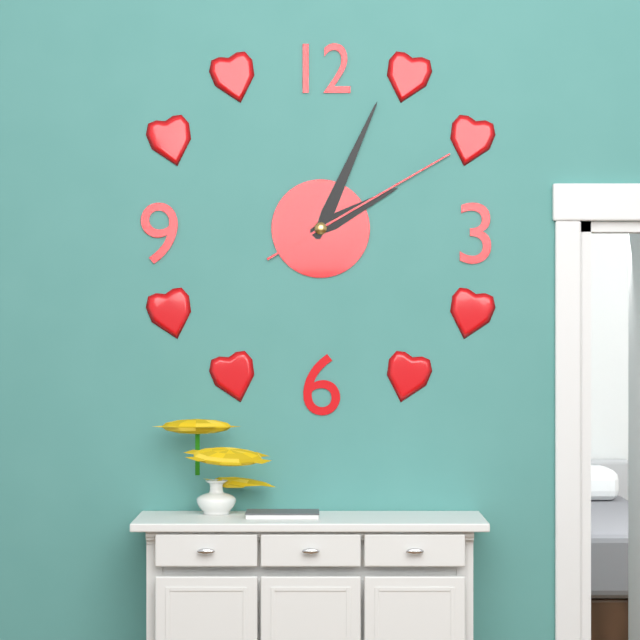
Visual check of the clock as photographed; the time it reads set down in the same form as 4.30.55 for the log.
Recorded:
2.04.10
